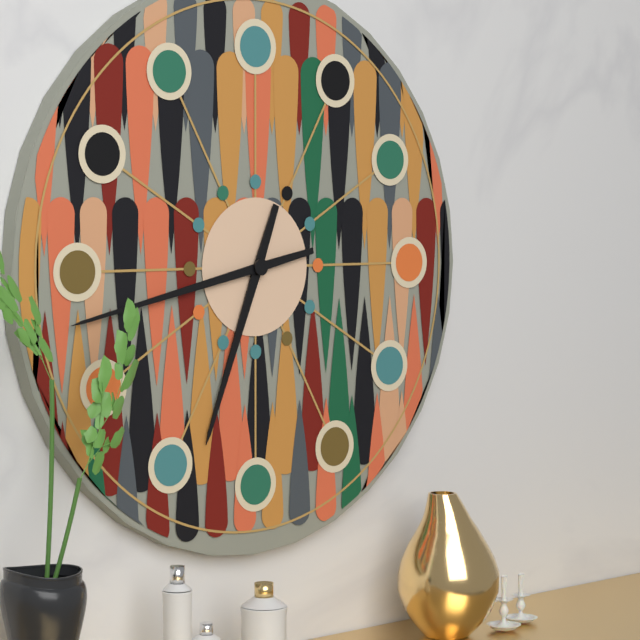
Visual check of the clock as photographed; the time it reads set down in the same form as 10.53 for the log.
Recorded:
6.43
